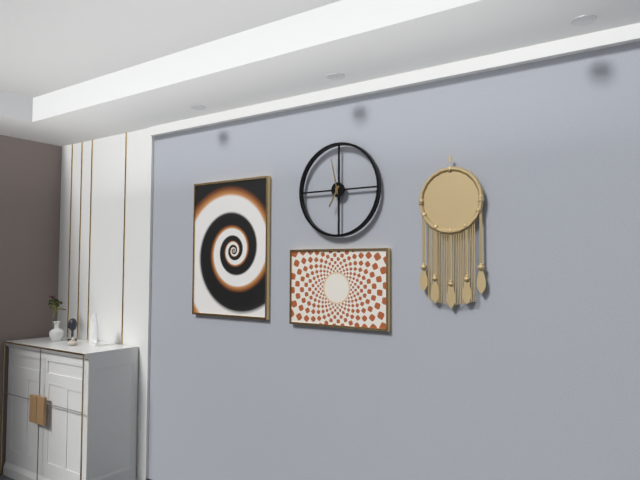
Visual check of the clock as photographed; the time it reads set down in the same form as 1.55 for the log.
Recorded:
6.58
